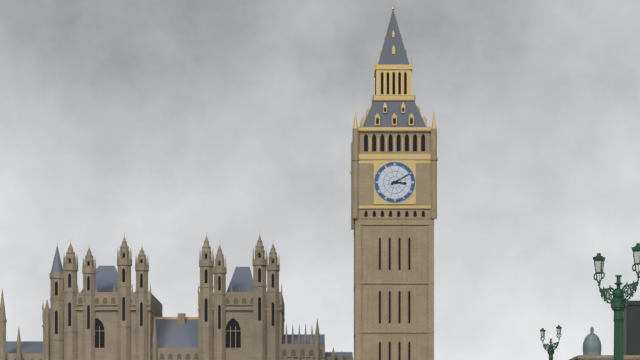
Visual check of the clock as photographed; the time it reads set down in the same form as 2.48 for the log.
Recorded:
3.10
